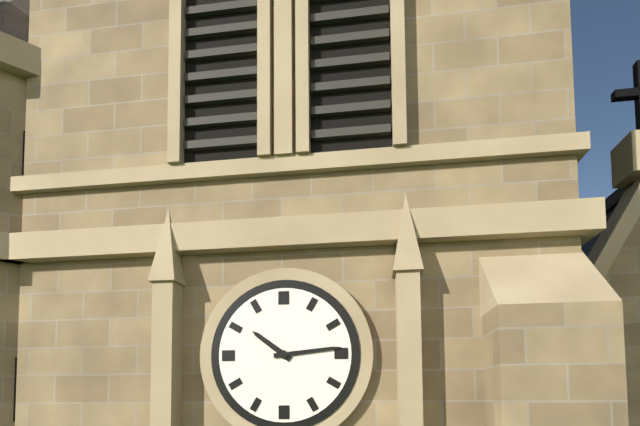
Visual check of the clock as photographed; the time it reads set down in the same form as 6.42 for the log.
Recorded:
10.14
